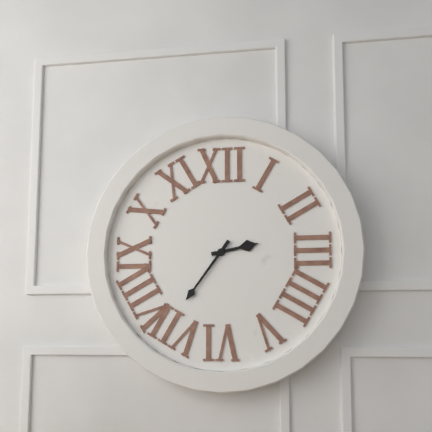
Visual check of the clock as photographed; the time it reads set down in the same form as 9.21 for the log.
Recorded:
2.36
